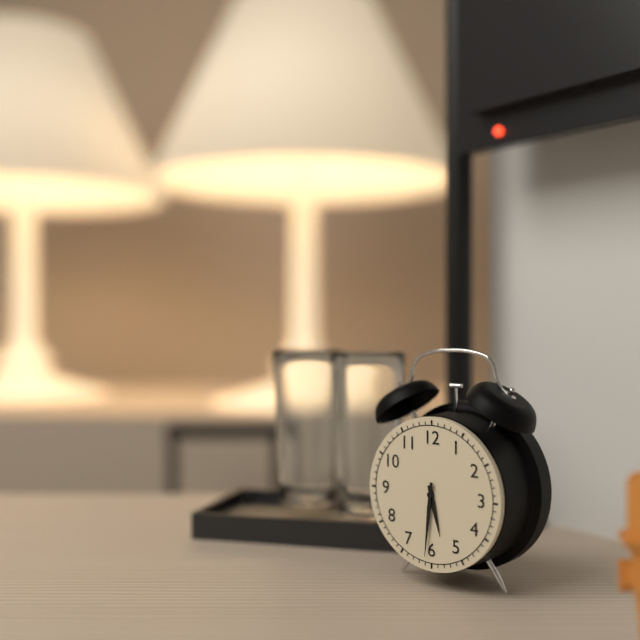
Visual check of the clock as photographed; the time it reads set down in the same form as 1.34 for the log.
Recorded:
5.31
